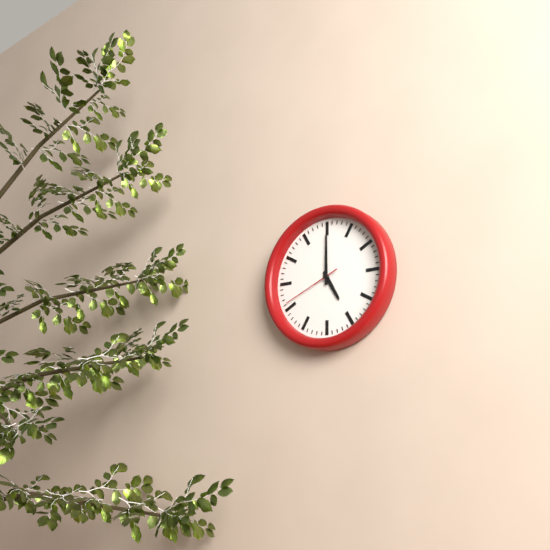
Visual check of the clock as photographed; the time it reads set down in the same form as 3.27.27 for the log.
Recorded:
5.00.41
